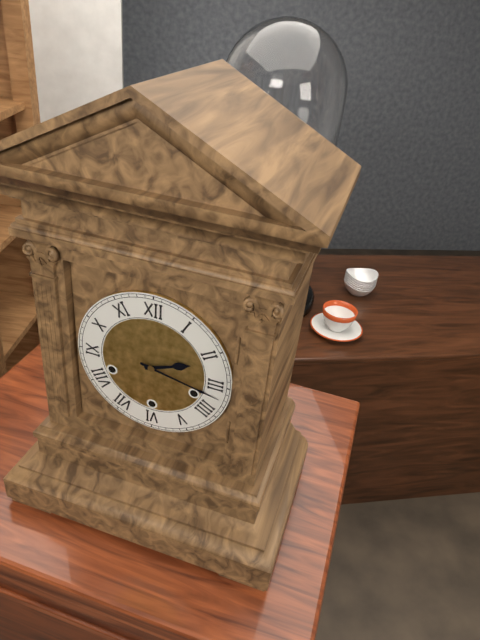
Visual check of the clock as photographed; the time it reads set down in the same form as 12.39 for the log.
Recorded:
2.17
